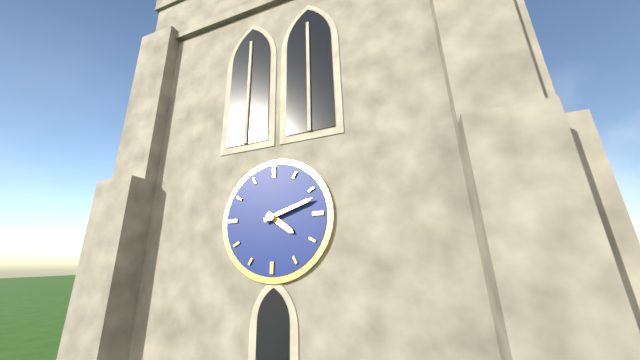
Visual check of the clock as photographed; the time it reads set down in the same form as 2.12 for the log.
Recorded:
4.12
